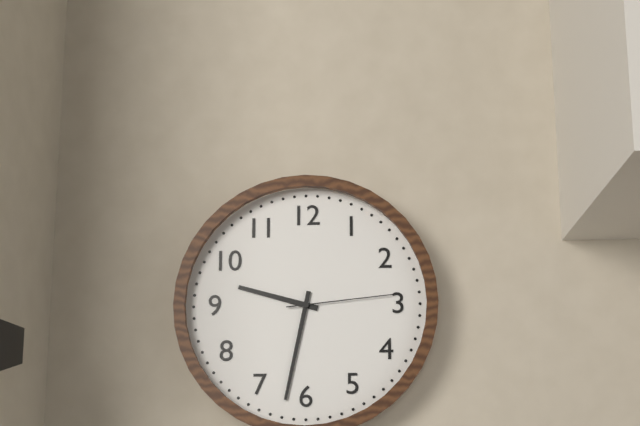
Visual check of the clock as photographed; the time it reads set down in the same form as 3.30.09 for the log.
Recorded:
9.32.14
